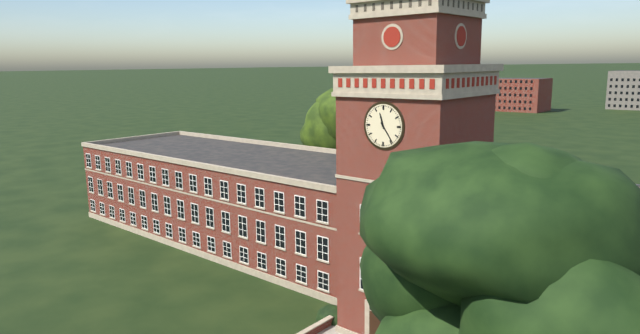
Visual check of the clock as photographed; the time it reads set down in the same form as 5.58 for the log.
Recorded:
11.24
